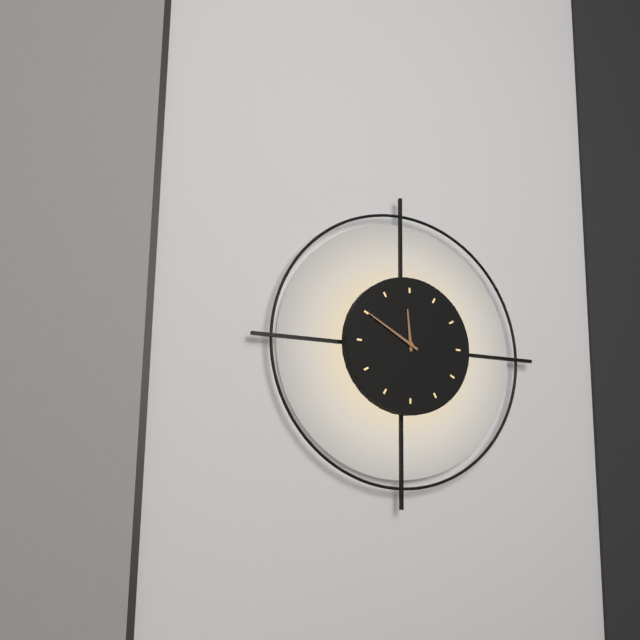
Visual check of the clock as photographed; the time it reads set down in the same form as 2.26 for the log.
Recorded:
11.50
